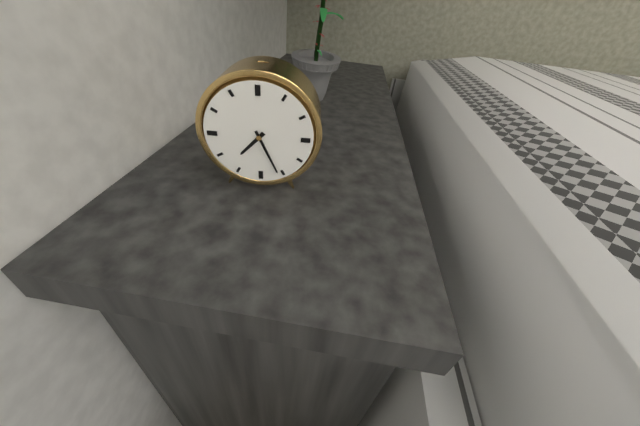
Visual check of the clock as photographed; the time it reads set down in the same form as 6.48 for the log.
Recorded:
7.26
